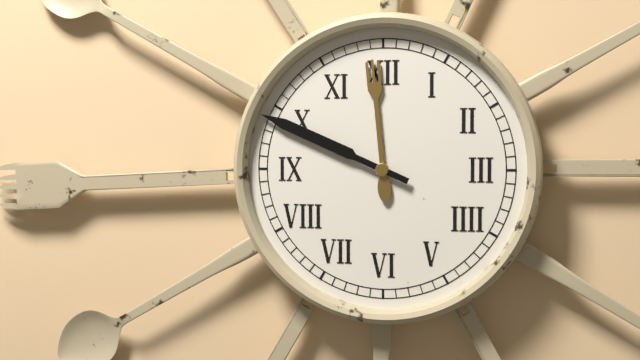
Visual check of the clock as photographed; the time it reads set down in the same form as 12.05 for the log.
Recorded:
11.49
